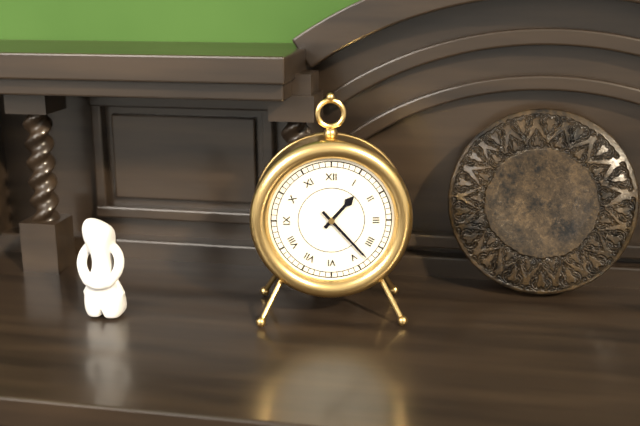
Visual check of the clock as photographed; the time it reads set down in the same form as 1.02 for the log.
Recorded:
1.23
